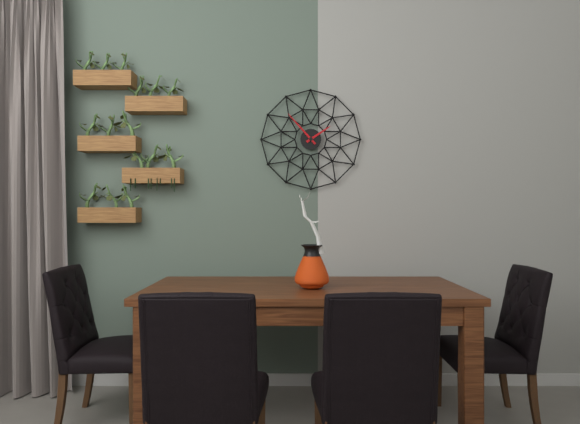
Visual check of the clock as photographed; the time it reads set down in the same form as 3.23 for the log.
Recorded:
1.53
